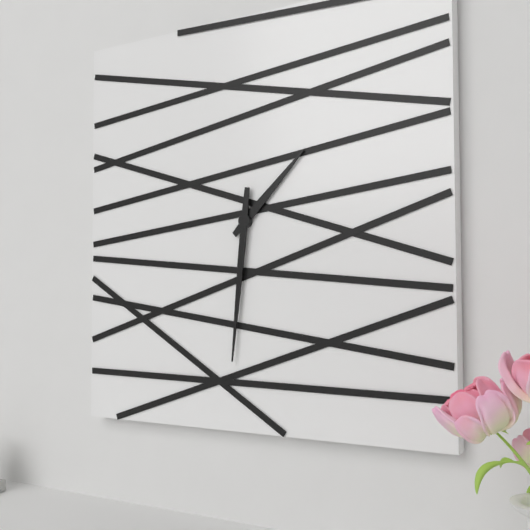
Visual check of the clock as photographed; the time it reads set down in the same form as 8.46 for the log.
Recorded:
1.31
